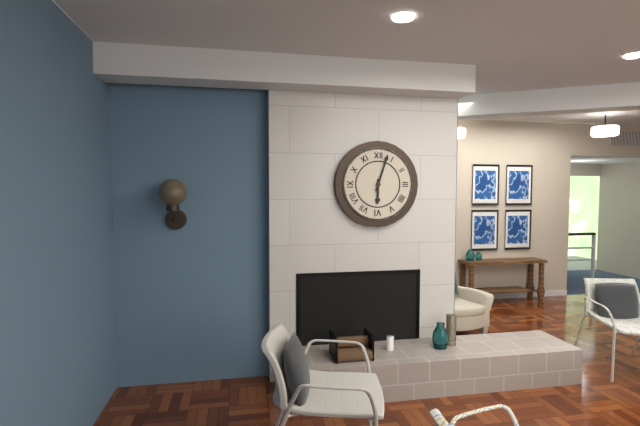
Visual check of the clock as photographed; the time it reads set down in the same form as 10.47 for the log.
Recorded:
6.03
